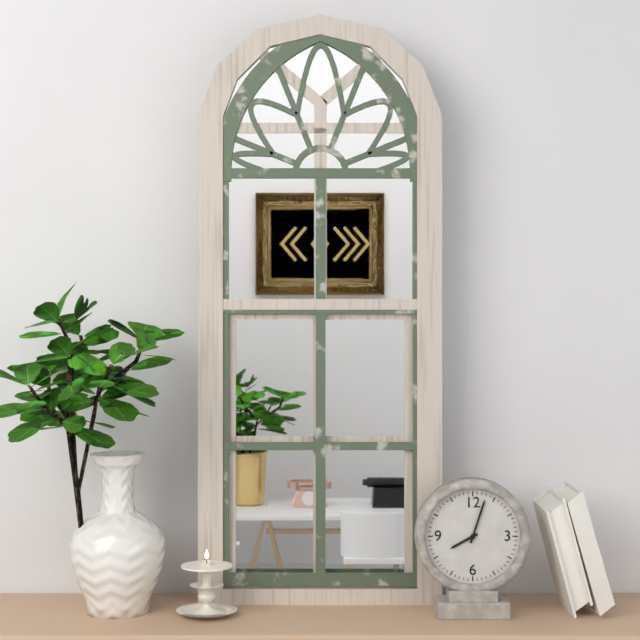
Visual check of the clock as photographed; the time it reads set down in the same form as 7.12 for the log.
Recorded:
8.03
